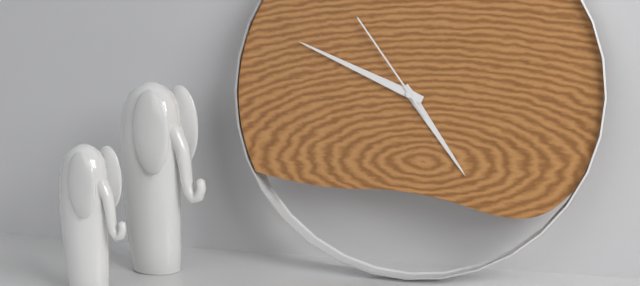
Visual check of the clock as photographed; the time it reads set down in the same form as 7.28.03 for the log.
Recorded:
4.49.54
